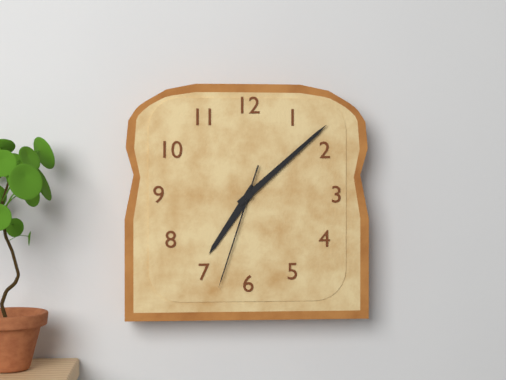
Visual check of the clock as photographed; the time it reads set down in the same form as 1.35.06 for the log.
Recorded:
7.08.33
